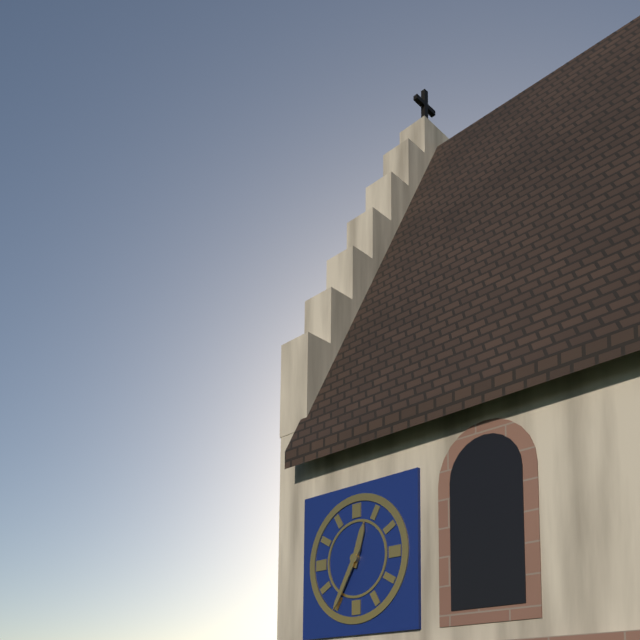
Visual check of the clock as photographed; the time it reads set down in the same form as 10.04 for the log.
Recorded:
12.35
